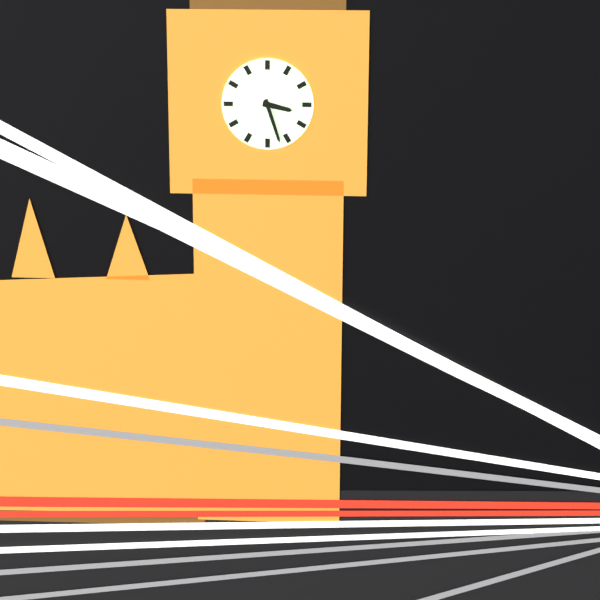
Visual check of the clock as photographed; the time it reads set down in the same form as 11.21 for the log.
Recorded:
3.27
